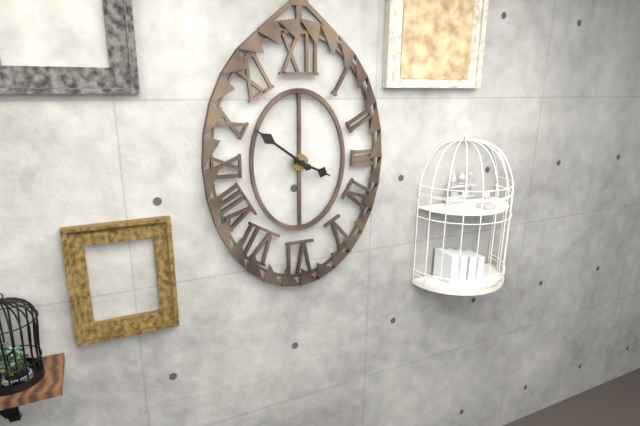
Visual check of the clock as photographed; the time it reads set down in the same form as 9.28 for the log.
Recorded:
3.51
